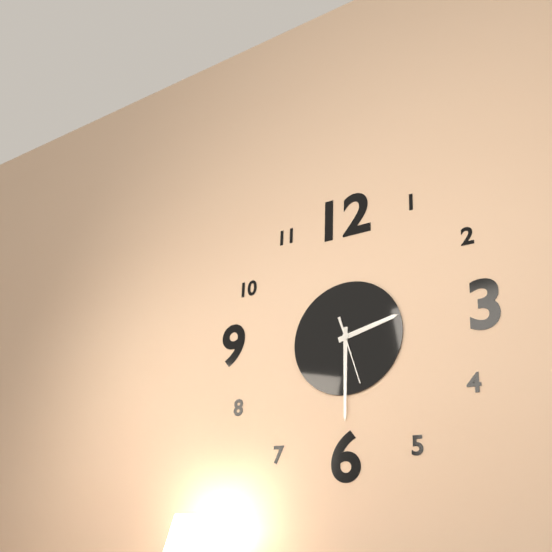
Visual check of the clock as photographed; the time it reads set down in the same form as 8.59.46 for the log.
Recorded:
2.30.27
